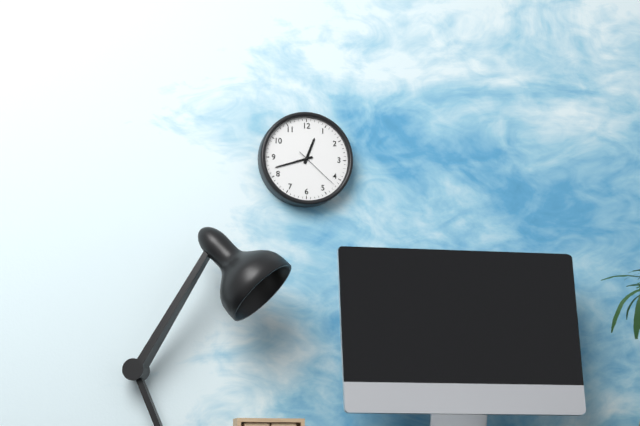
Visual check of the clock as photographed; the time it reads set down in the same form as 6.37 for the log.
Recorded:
12.42
